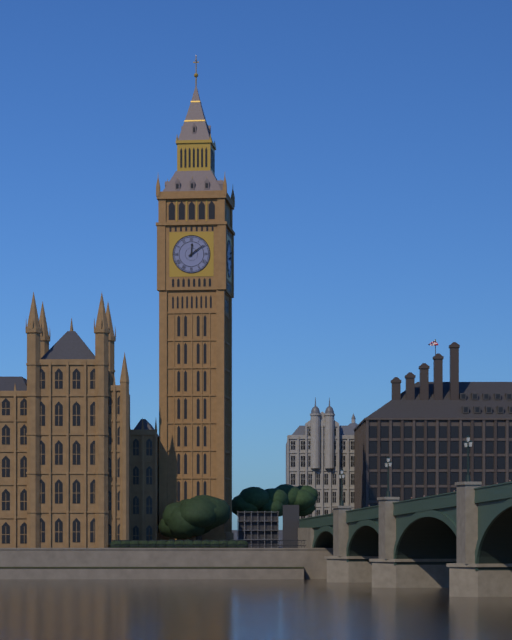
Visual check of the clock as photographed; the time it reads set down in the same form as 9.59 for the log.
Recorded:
12.09
